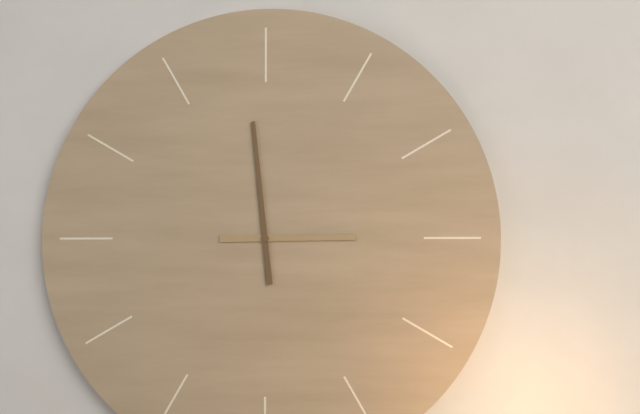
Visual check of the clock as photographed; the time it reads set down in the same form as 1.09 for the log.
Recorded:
2.59
